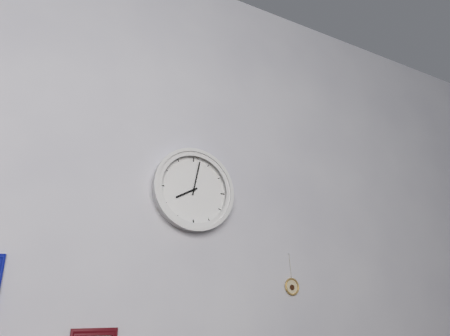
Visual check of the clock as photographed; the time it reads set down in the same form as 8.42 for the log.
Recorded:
8.02
